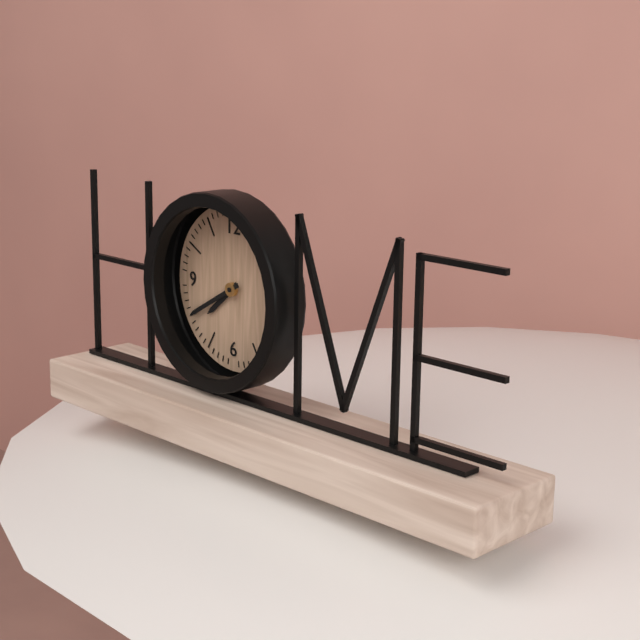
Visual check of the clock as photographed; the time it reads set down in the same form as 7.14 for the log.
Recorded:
7.40
